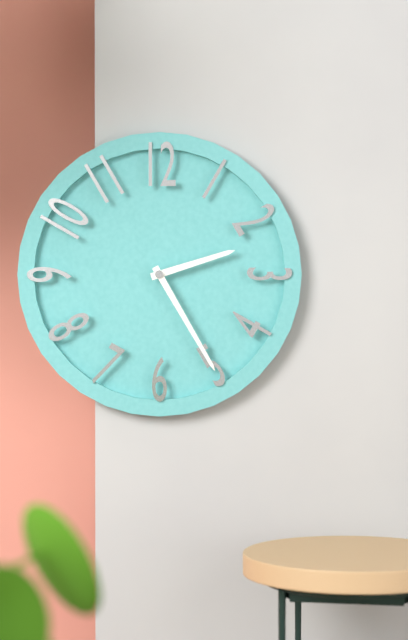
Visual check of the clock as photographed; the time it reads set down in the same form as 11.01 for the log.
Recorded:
2.25
